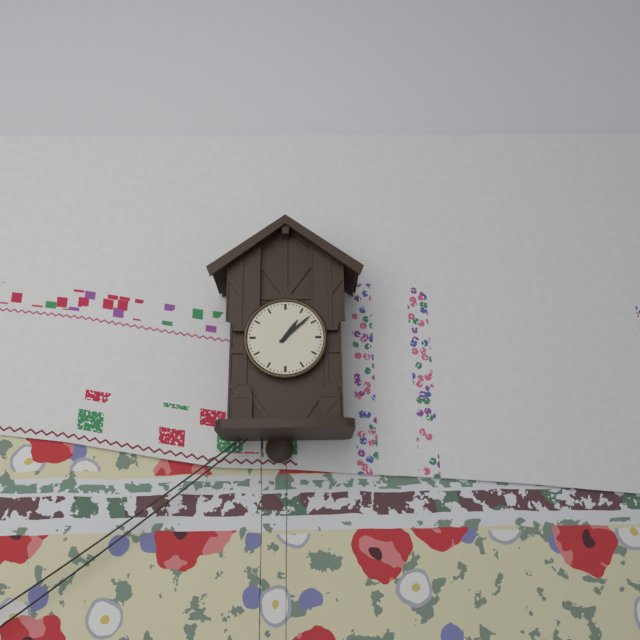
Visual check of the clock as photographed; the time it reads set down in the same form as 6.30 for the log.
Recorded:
1.08
